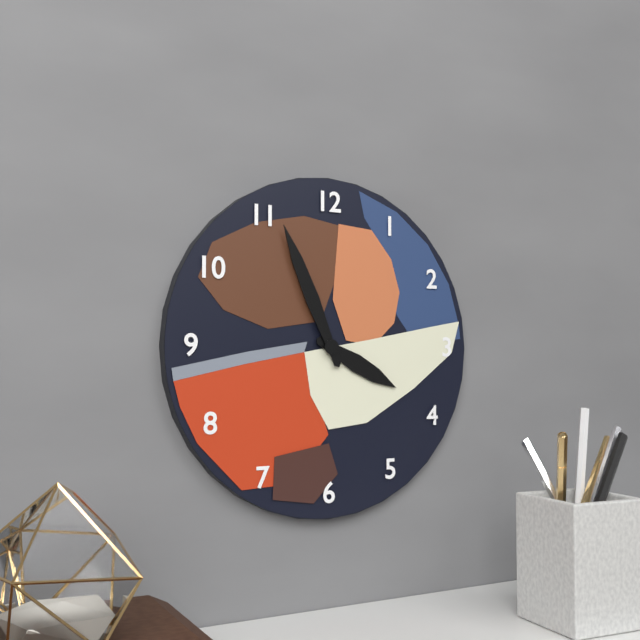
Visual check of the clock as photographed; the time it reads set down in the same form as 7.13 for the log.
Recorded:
3.56
